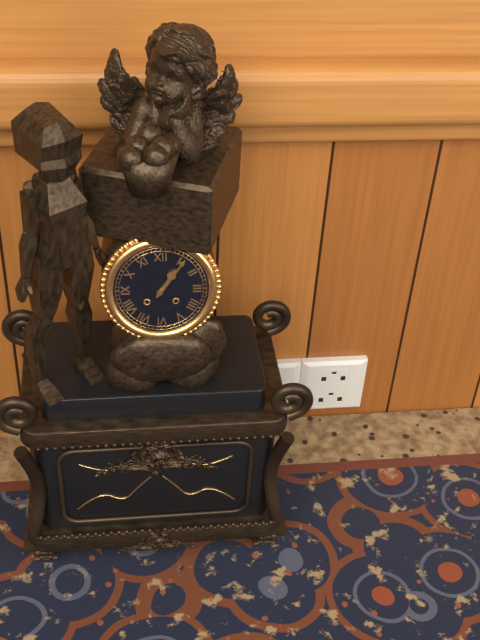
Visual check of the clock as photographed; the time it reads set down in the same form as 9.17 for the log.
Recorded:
1.06
